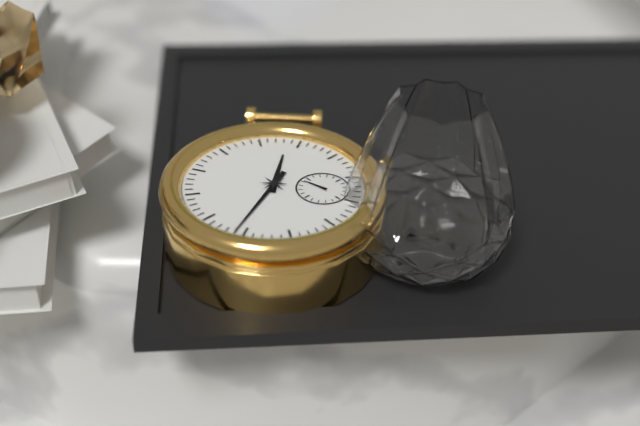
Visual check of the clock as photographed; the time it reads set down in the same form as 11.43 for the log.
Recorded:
1.41
